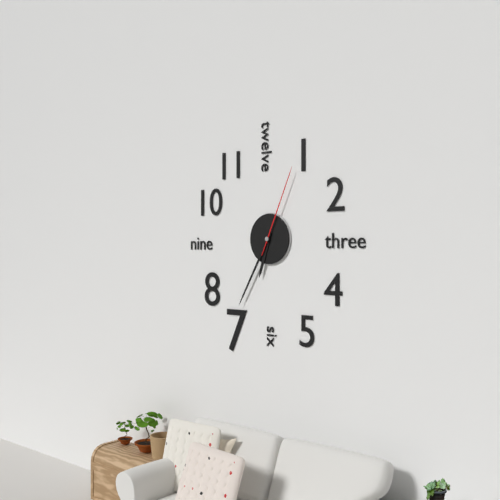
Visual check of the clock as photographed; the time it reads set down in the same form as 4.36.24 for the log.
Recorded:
6.35.04
